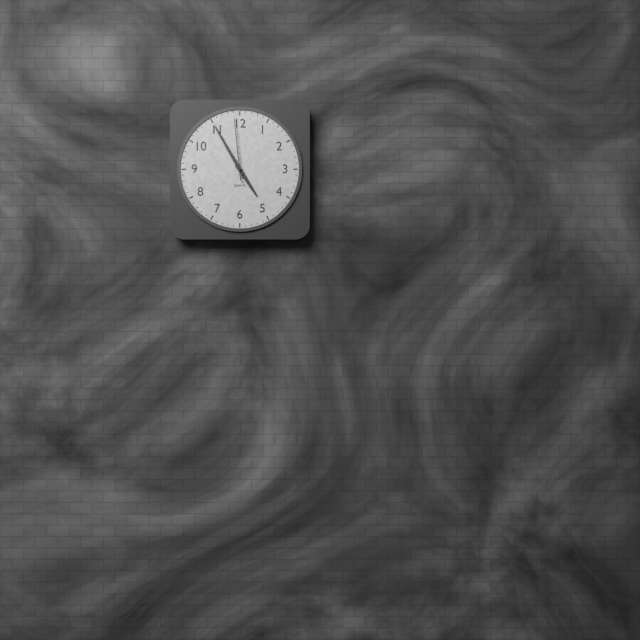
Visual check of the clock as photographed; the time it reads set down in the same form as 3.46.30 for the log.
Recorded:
4.55.59
